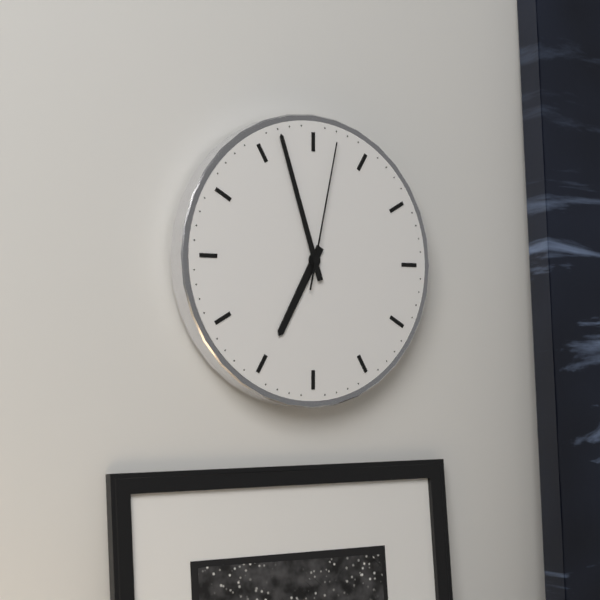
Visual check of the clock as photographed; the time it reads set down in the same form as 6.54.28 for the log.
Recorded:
6.57.02
